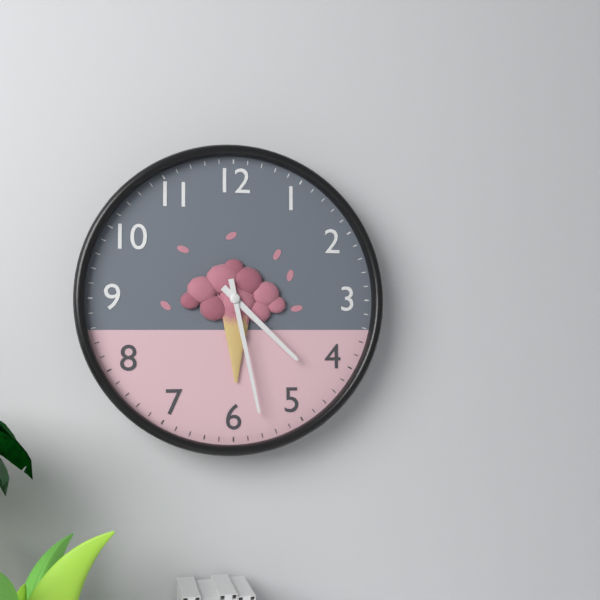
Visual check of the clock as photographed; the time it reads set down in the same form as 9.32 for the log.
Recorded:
4.28
